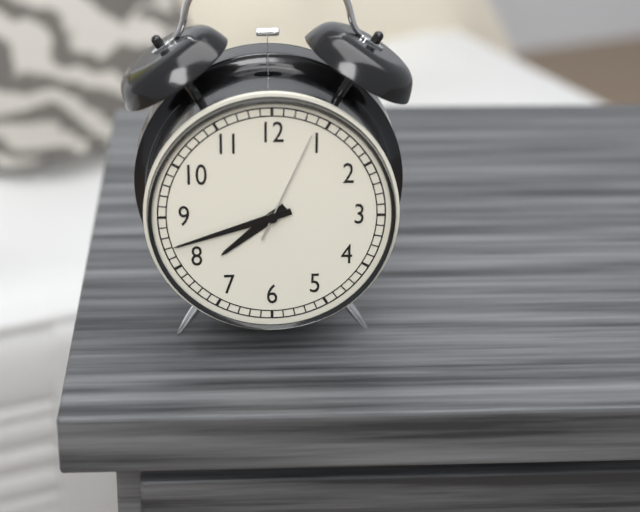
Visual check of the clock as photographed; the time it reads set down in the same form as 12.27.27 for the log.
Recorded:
7.42.04
